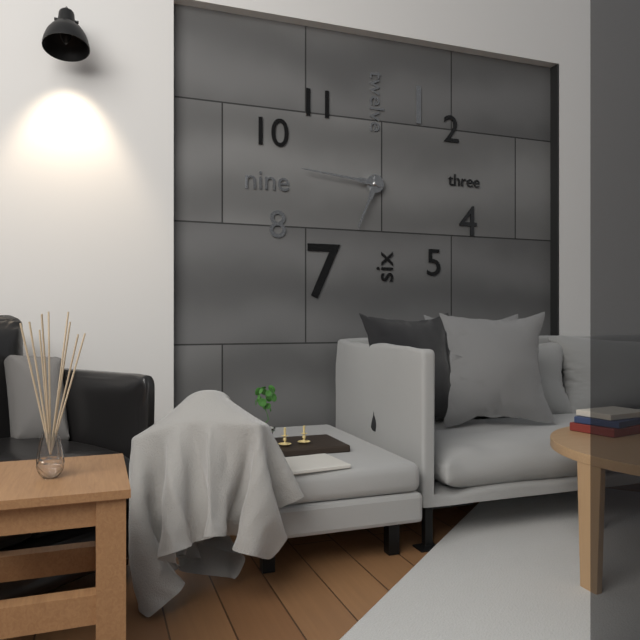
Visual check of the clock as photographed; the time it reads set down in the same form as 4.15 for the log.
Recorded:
6.46
